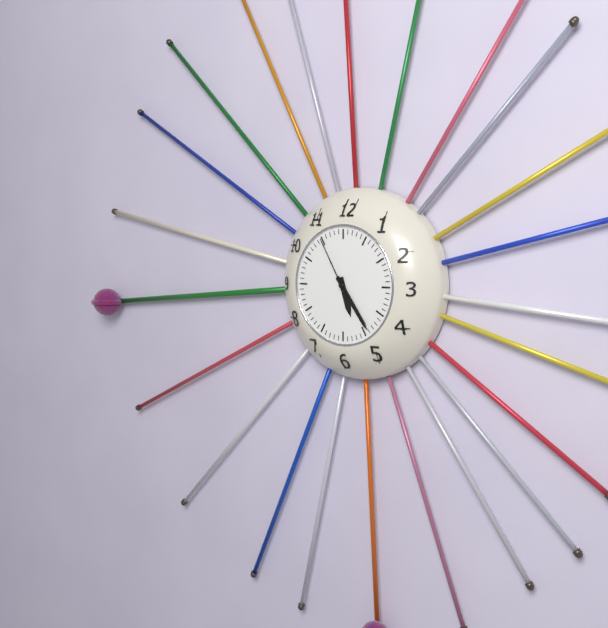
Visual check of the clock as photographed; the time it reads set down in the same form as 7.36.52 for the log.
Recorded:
5.24.55
